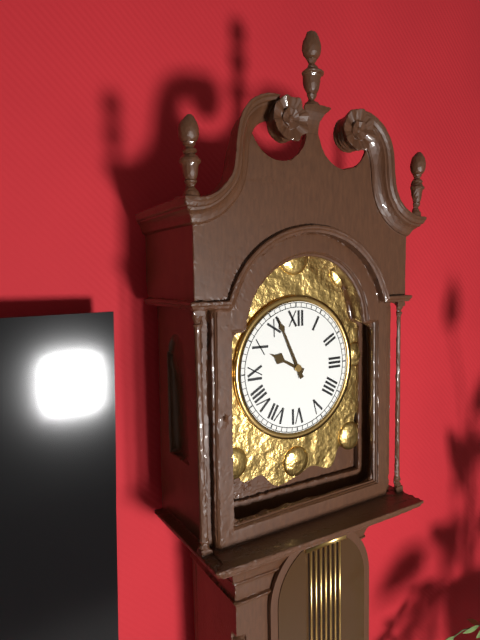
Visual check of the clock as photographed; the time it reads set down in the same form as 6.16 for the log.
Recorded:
9.56
